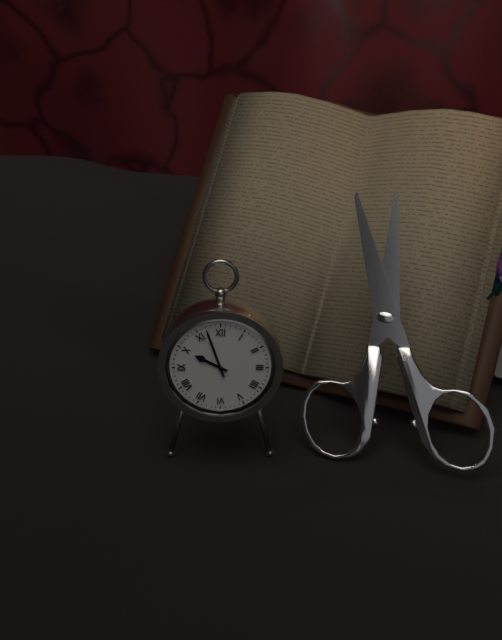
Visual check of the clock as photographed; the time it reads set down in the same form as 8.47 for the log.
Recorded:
9.57
